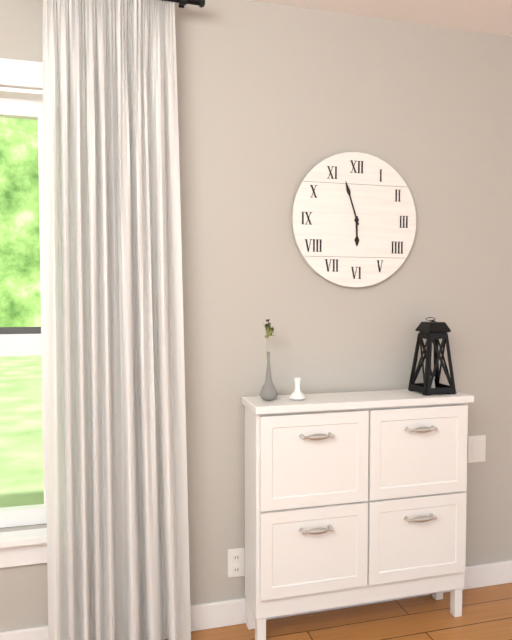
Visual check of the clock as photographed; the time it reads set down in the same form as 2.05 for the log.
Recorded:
5.57
